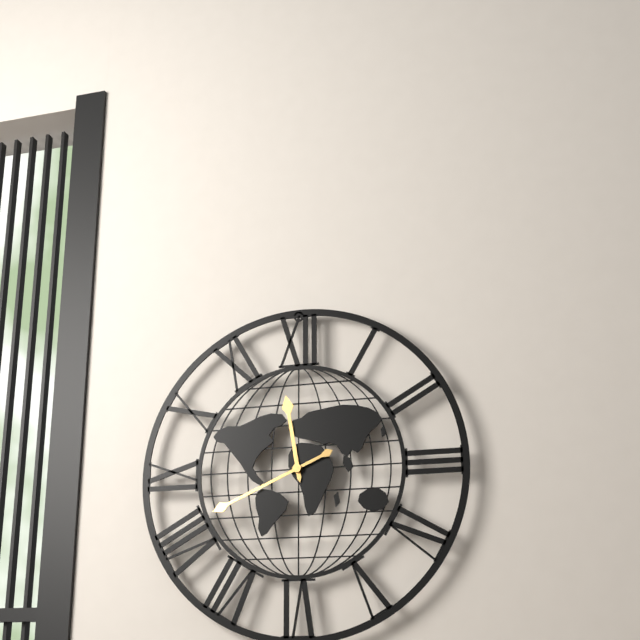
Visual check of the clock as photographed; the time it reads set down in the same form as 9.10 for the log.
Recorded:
11.41
